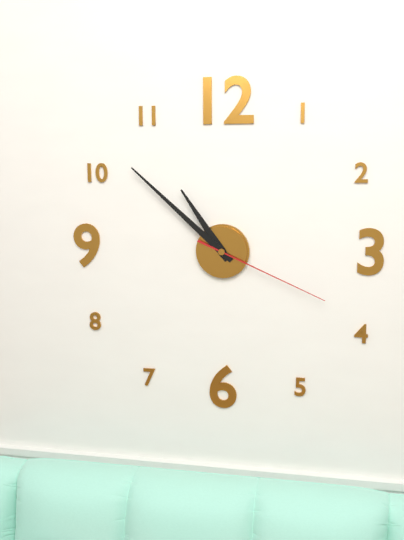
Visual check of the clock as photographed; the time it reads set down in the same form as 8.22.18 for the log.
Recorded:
10.52.19
